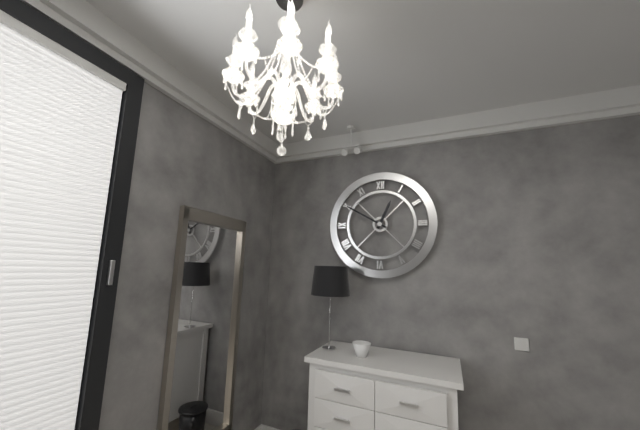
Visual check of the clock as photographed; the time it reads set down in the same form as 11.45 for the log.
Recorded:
12.50
